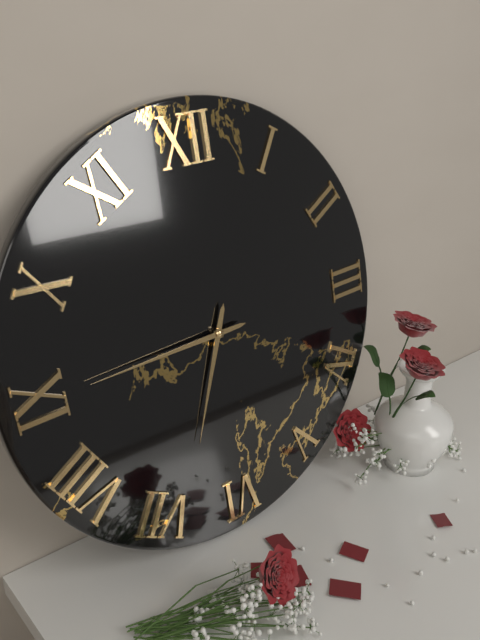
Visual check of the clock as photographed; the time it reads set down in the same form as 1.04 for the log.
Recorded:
6.45
